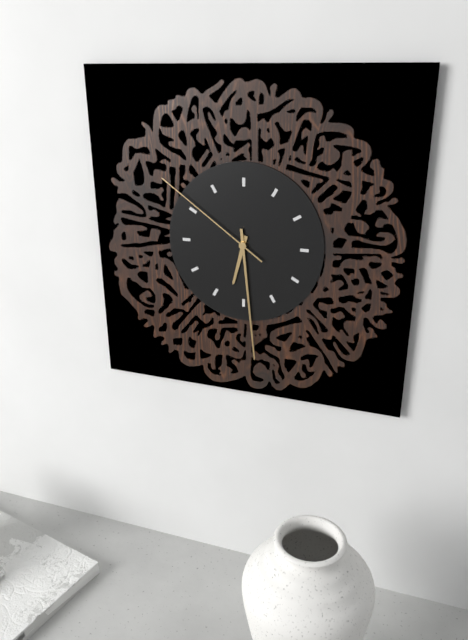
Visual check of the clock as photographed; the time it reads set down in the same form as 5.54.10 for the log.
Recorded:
6.29.51
